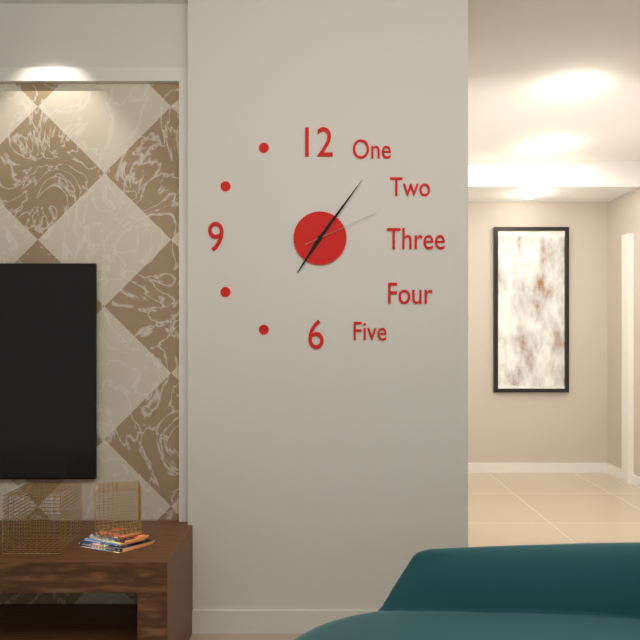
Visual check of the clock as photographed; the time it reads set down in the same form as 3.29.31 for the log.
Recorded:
7.06.11
